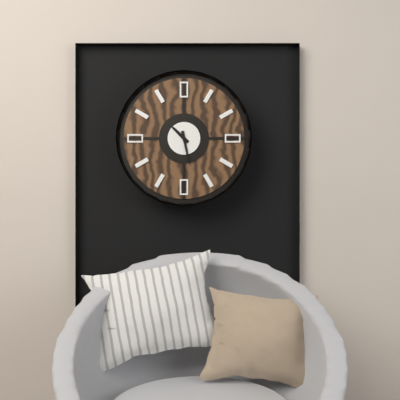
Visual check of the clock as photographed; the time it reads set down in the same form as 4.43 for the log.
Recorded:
10.28
